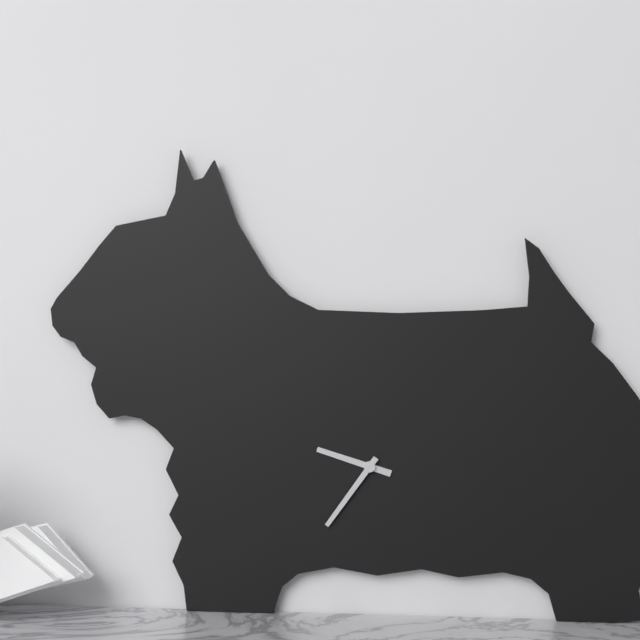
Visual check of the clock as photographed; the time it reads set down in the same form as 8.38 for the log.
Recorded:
9.36
